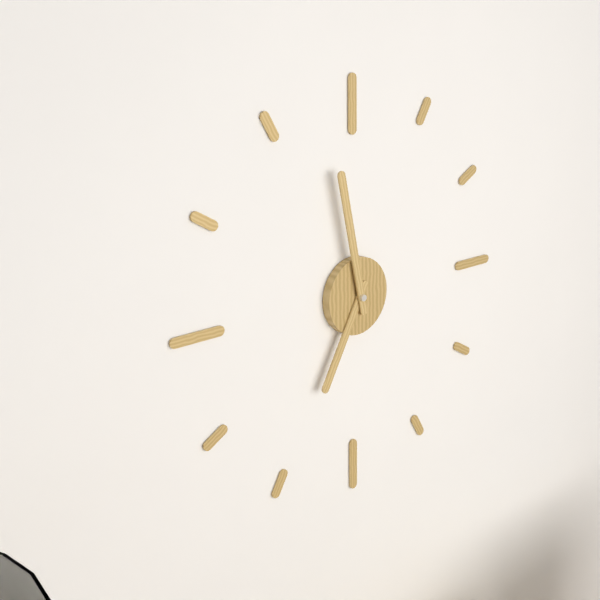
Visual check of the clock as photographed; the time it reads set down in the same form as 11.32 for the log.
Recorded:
6.58
